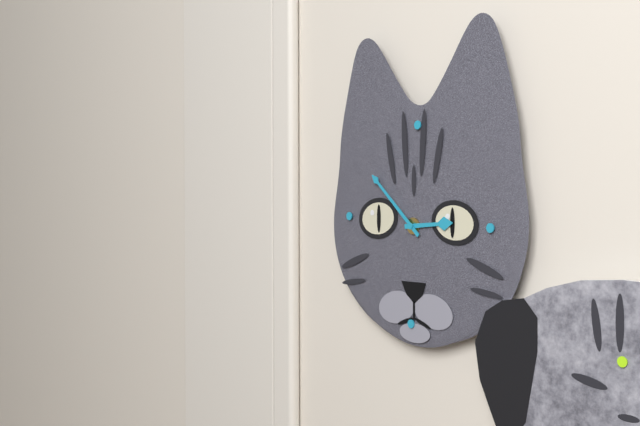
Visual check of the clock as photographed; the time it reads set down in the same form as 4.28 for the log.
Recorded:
2.52
